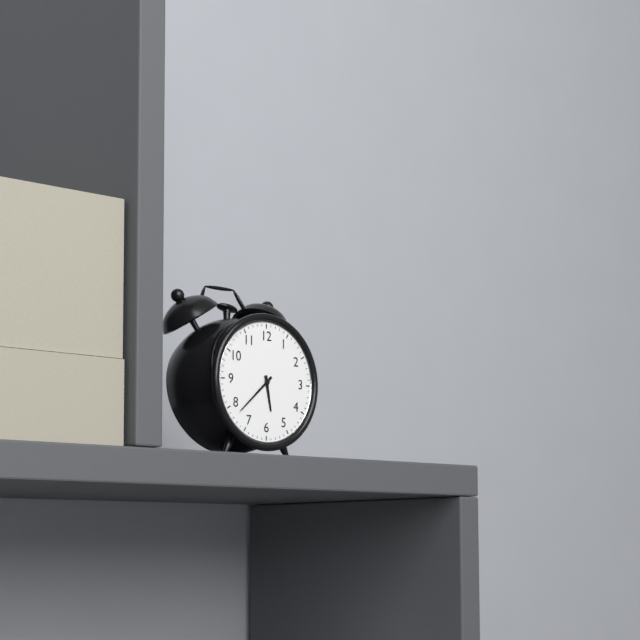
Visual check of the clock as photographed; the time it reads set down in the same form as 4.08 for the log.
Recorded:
5.38
